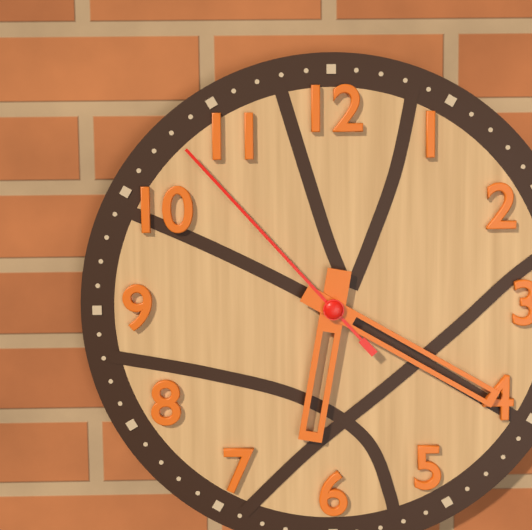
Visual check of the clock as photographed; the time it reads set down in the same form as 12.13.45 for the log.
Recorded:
6.20.53
